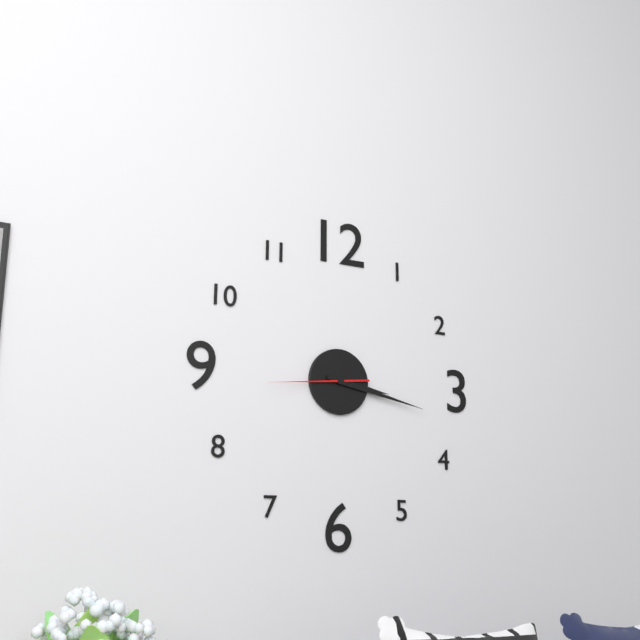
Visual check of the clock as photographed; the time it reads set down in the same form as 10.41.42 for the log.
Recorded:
3.17.44
